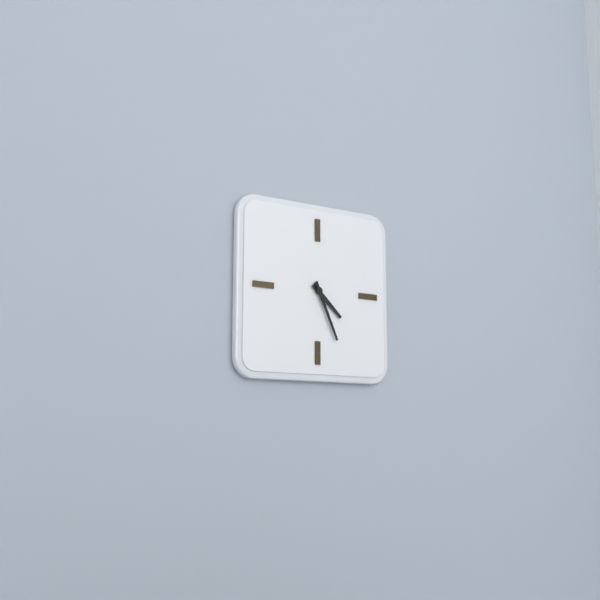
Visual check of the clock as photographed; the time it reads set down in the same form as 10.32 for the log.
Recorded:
4.26
